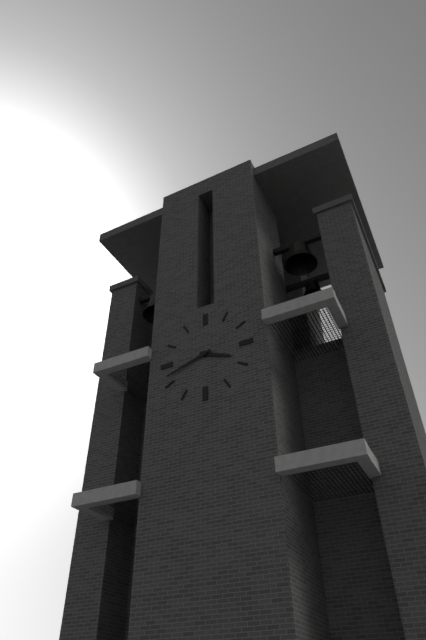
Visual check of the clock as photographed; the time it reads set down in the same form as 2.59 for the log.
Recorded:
3.42
